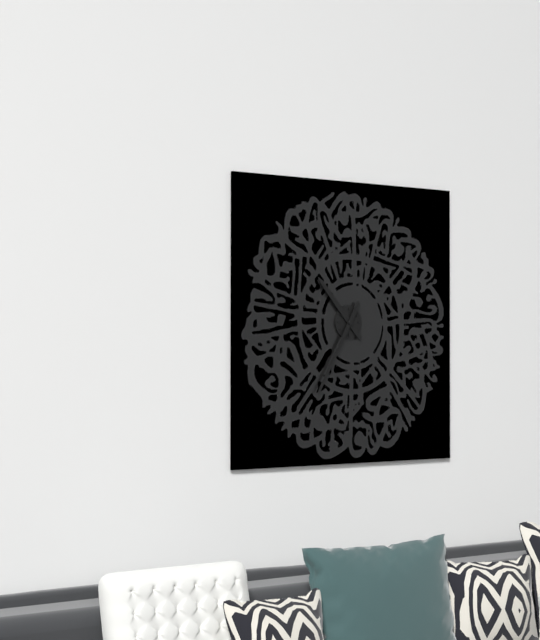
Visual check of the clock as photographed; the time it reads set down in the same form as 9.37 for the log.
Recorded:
10.35
